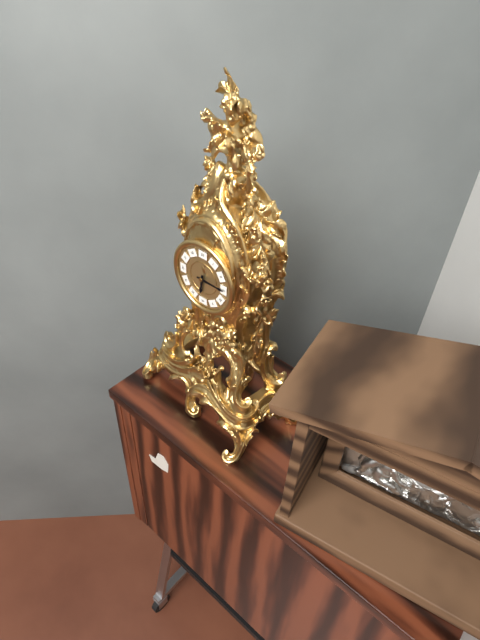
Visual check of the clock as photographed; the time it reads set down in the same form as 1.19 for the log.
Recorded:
6.15
